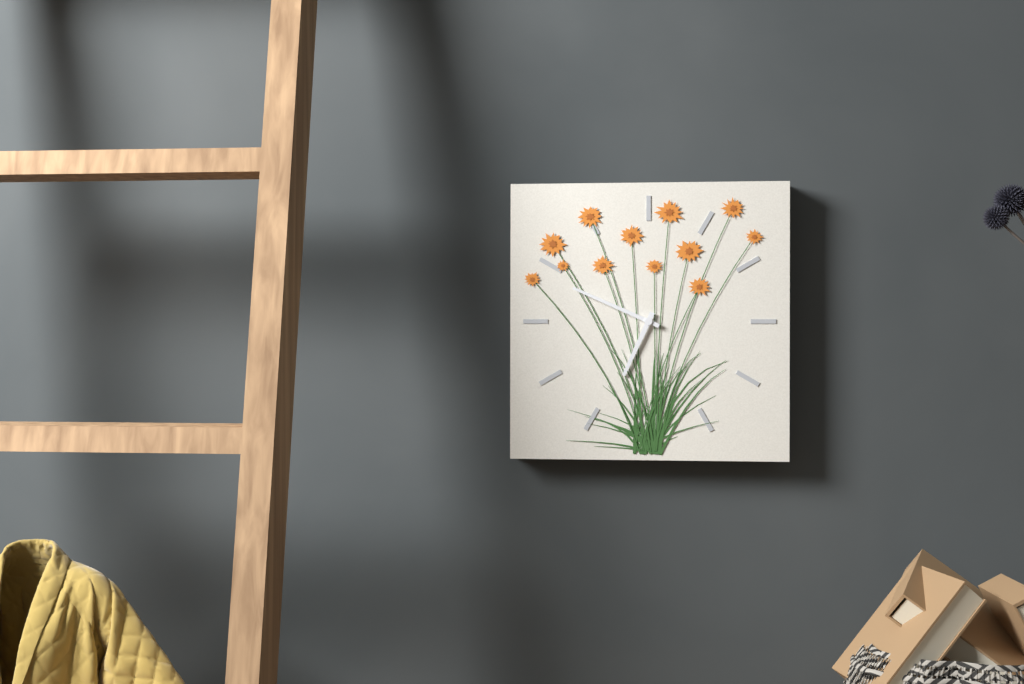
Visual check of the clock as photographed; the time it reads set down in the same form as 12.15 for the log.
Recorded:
6.49
